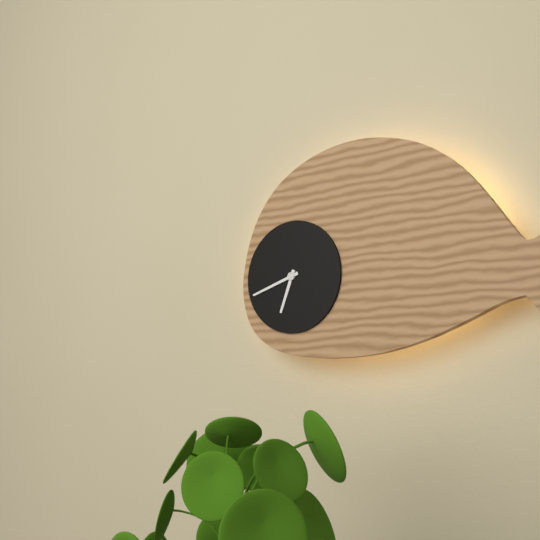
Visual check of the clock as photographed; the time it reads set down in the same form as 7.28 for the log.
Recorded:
6.42
